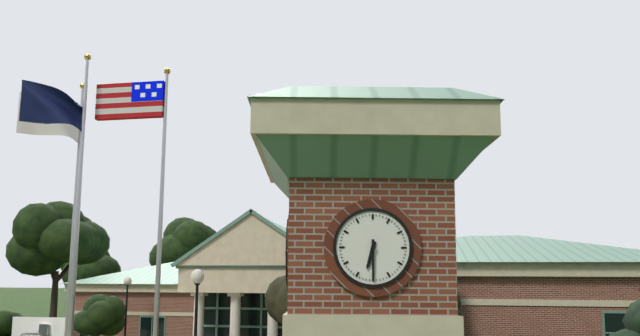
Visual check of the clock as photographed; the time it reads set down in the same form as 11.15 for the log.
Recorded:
6.30
